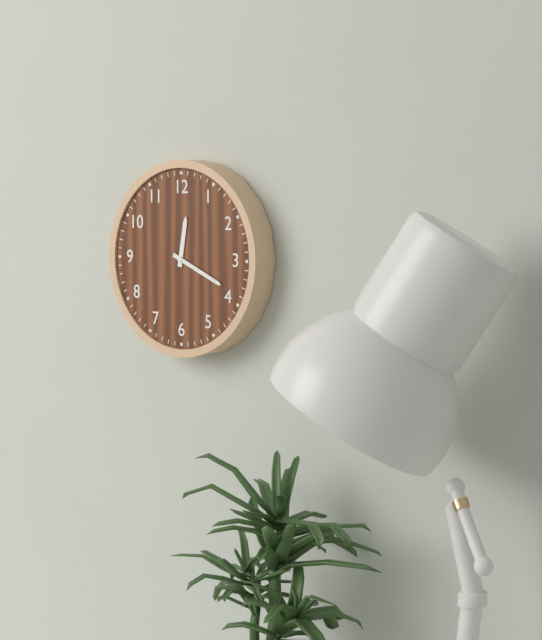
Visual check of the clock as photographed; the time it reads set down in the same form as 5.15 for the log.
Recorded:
12.19
